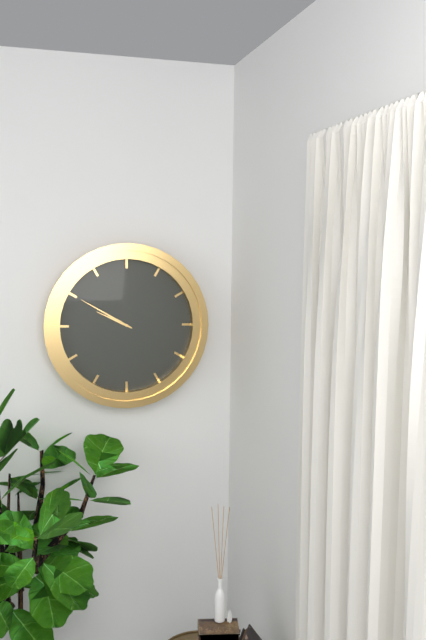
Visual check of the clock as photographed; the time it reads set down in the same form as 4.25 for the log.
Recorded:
9.50
